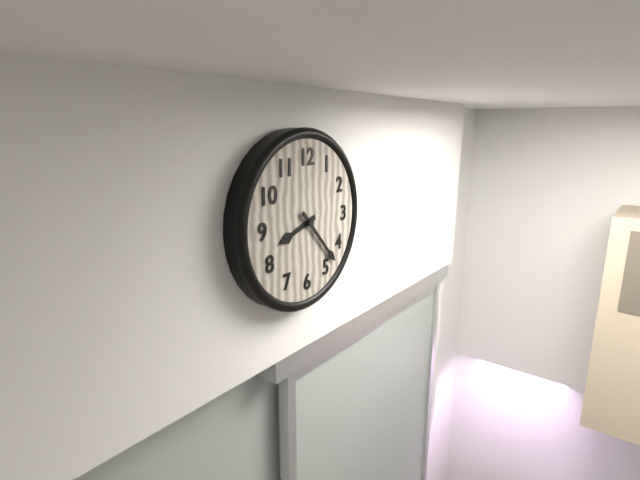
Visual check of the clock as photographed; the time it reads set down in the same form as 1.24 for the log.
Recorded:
8.23
